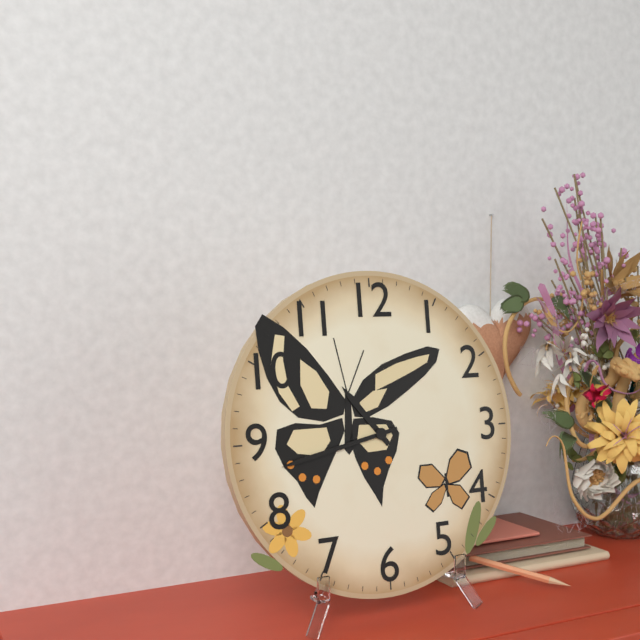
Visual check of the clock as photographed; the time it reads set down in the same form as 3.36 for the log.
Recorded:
10.43
